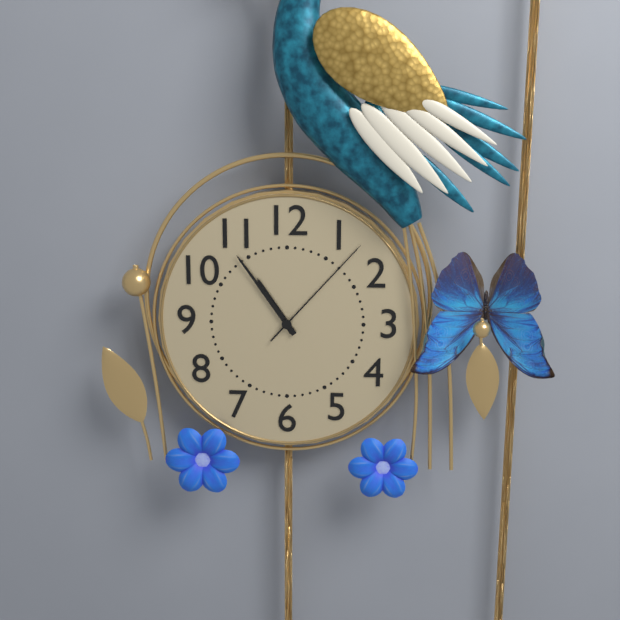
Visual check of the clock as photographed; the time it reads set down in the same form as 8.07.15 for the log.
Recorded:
10.54.07
